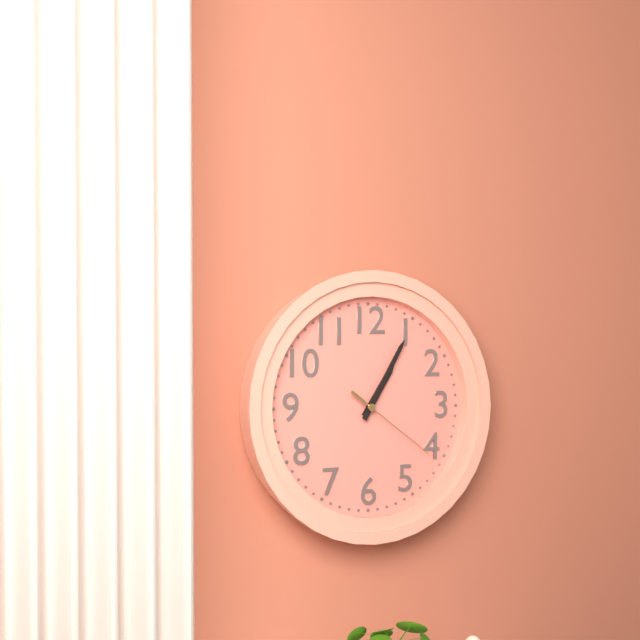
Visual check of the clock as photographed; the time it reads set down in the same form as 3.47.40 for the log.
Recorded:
1.05.21
